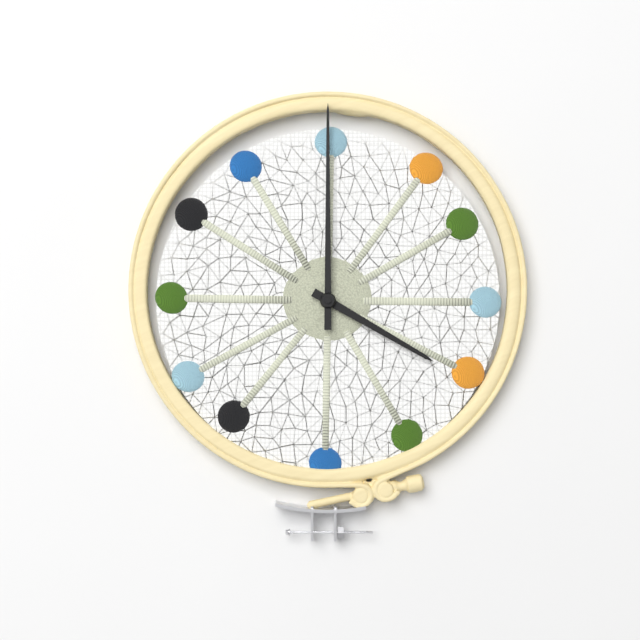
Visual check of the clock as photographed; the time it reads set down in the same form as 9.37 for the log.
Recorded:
4.00
